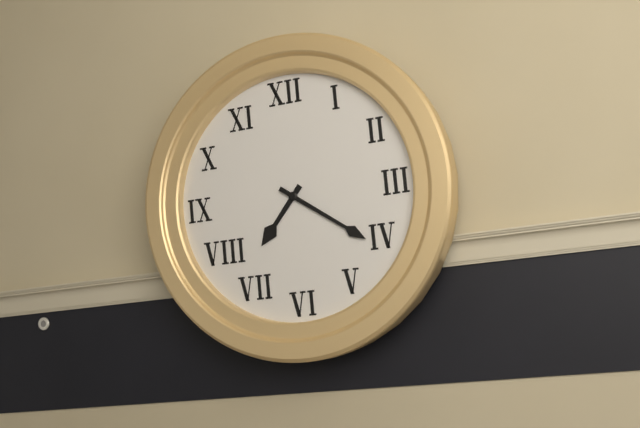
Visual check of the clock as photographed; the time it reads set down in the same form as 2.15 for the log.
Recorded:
7.21
